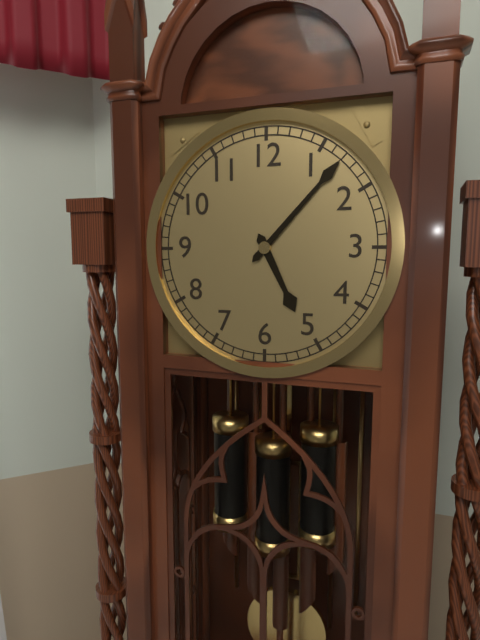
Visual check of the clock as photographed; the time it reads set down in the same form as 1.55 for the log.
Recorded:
5.07
